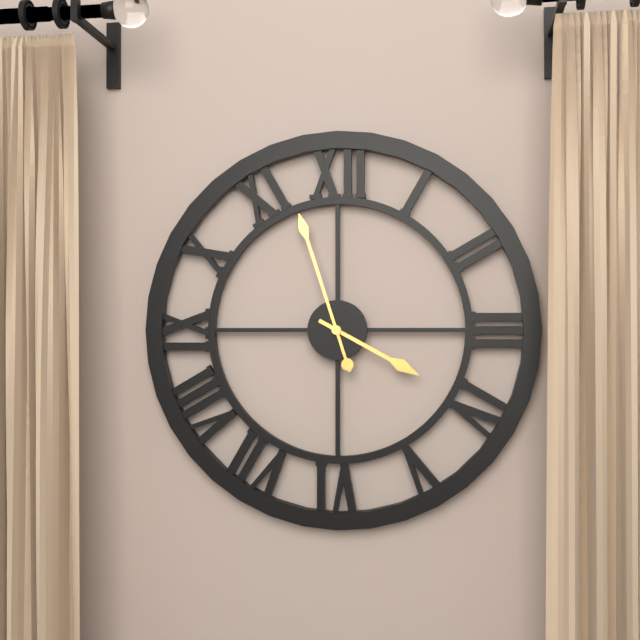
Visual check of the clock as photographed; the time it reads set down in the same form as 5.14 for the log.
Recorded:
3.57
